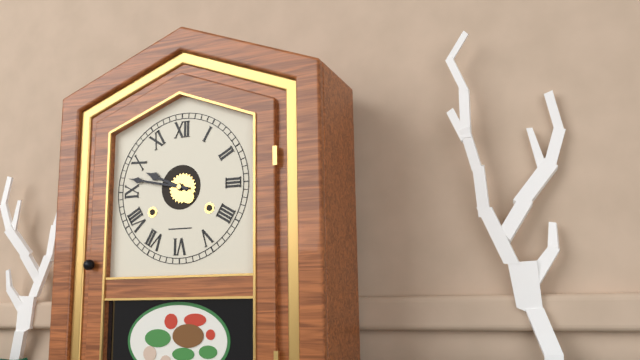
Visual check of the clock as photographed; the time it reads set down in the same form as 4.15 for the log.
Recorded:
9.47
